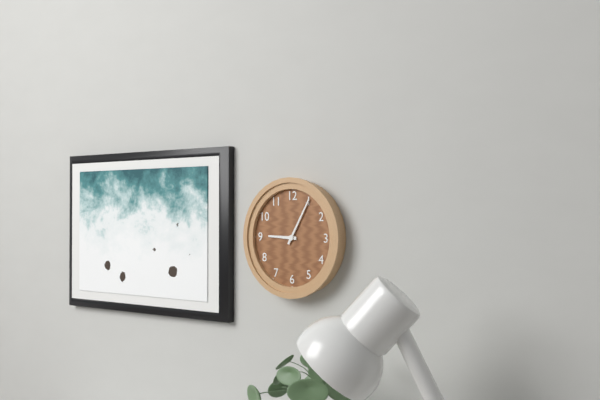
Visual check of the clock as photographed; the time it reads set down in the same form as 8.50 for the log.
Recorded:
9.05
